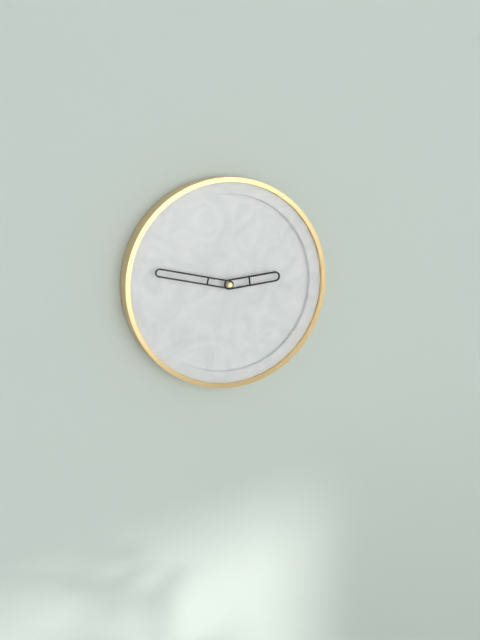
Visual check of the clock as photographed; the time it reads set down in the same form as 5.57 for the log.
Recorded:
2.47
